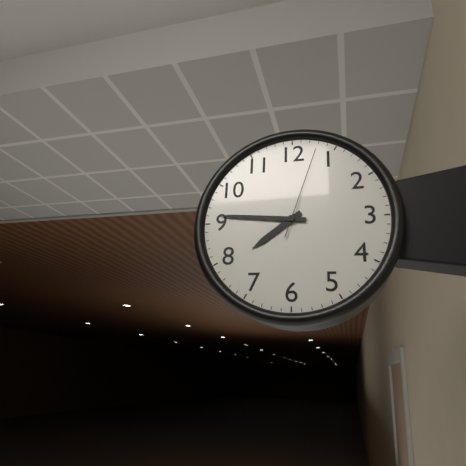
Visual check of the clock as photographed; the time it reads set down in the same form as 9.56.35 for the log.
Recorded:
7.46.03
